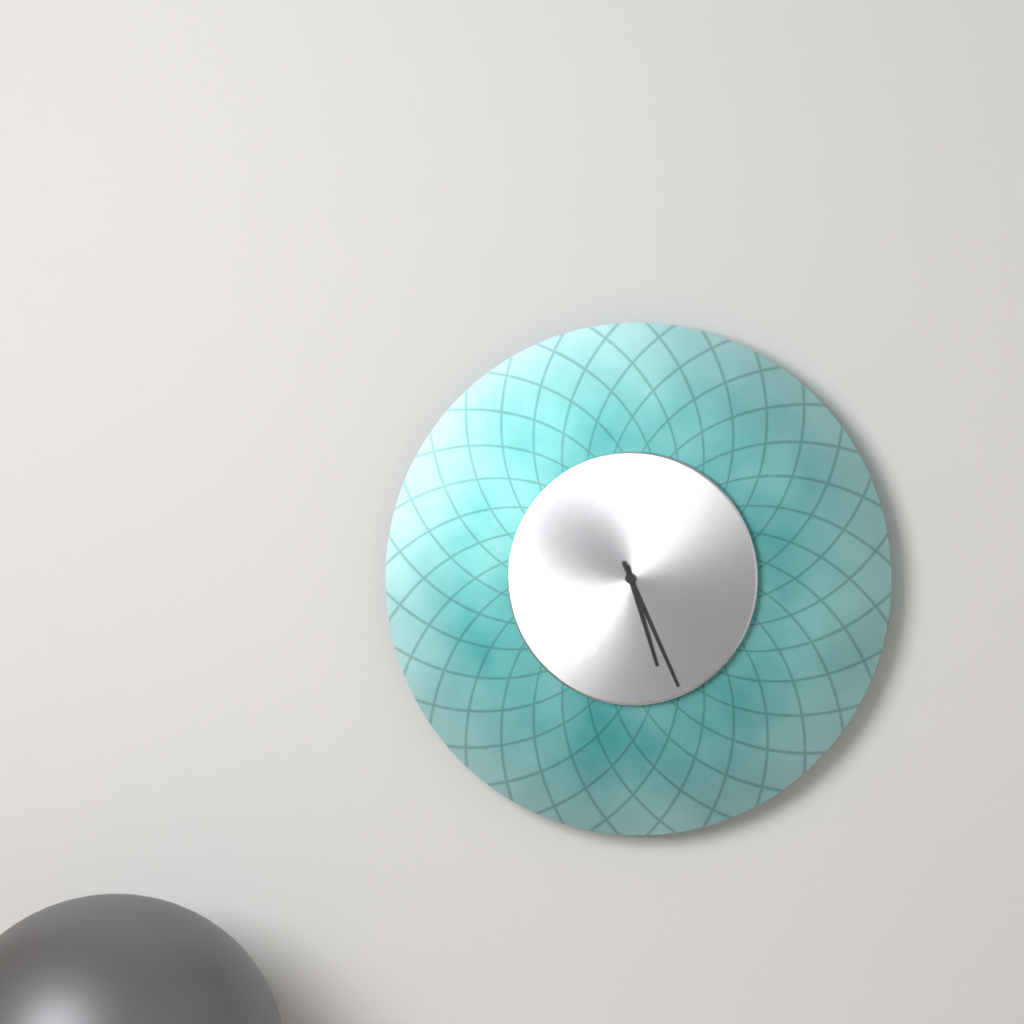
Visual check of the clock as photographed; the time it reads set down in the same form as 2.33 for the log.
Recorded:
5.26
